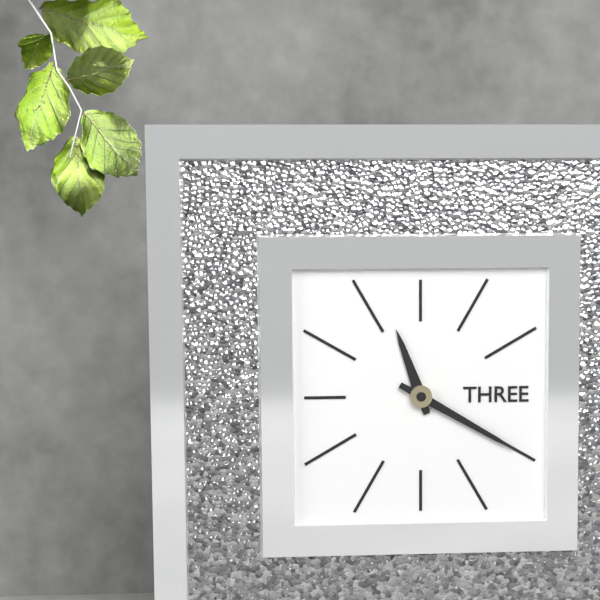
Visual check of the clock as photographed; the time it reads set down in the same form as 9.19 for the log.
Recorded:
11.20
